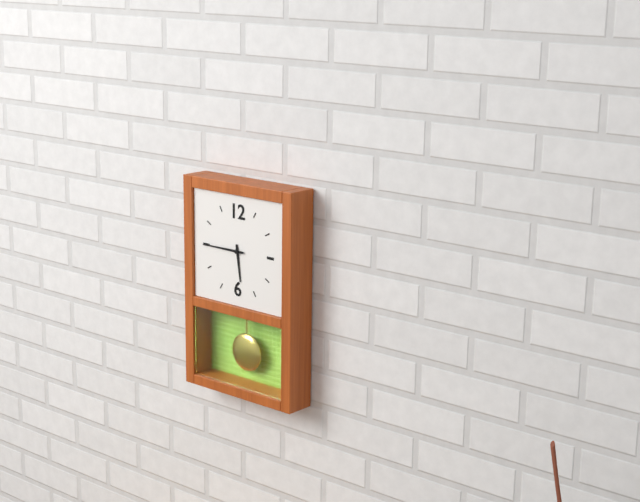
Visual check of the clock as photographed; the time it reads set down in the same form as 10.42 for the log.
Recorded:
5.45
